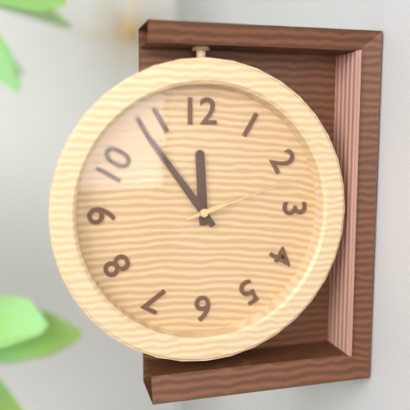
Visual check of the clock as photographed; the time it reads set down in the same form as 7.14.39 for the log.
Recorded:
11.54.12
